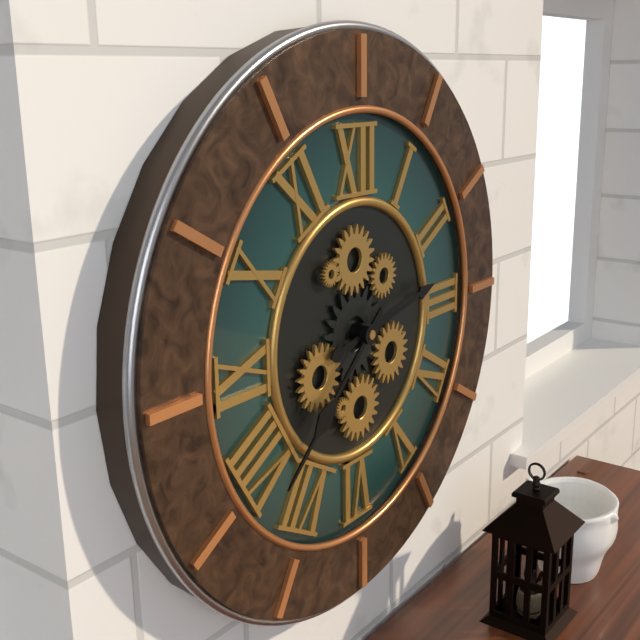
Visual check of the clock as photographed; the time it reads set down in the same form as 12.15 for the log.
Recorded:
2.38
